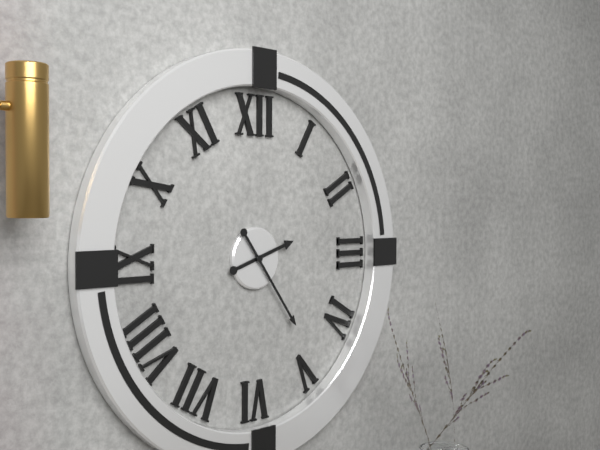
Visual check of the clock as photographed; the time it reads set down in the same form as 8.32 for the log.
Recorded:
2.24
